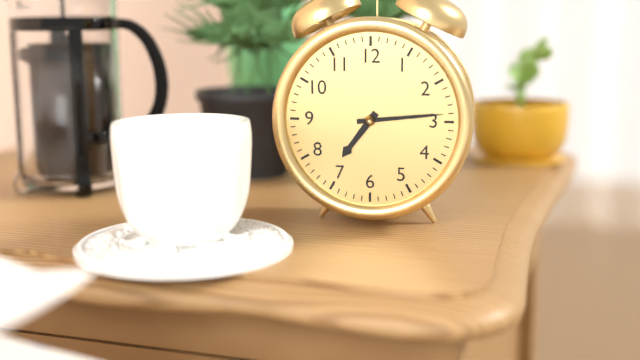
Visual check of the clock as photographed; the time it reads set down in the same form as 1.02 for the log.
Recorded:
7.14
